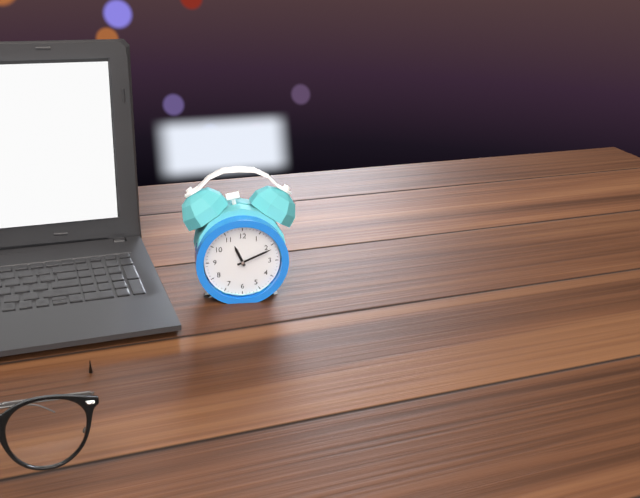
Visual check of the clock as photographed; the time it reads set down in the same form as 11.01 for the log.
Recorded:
11.11
